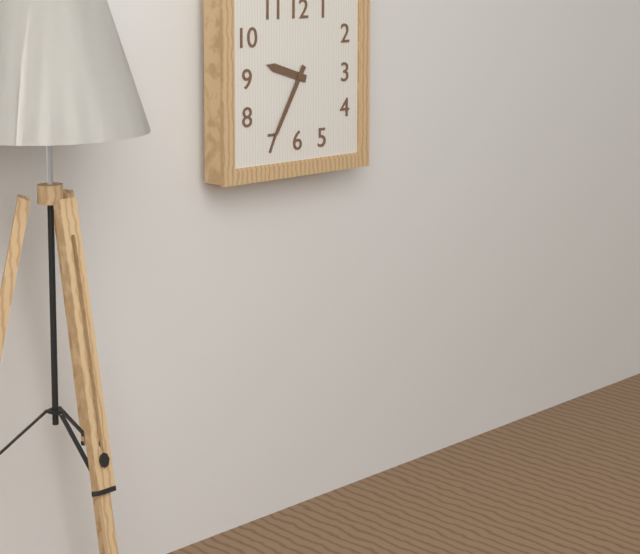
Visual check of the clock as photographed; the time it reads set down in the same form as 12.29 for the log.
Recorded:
9.35
